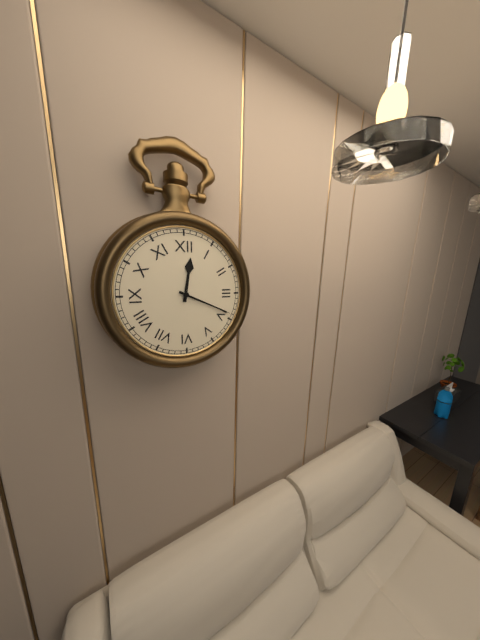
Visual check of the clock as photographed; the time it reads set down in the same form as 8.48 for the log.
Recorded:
12.19
